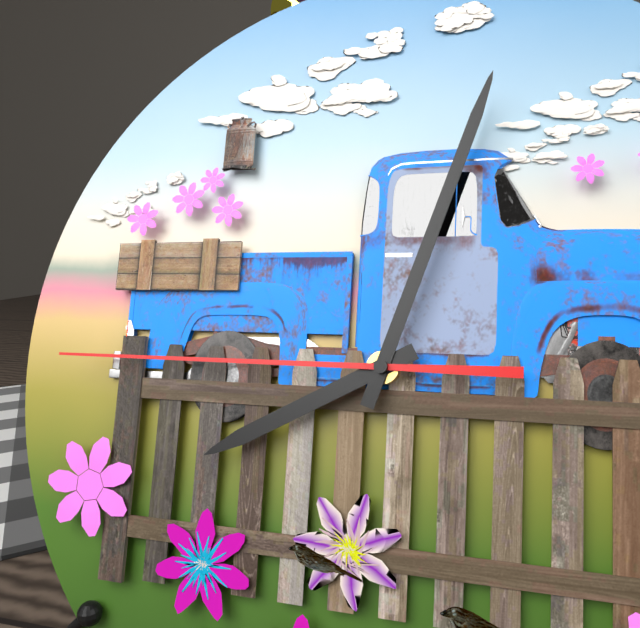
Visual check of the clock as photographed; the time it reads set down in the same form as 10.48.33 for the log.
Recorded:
8.03.45
